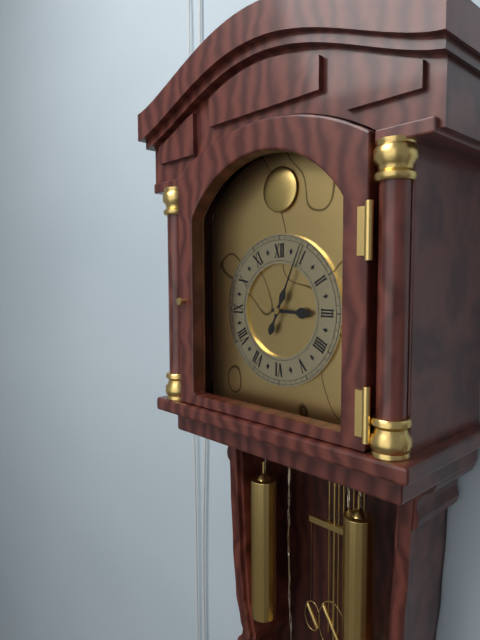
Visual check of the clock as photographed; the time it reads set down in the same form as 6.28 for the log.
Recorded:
3.04
